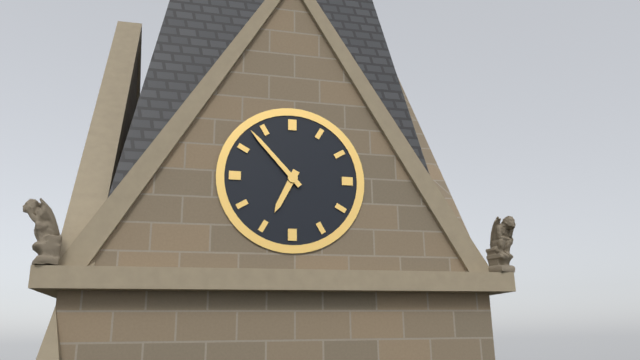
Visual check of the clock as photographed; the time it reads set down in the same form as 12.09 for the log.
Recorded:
6.53
